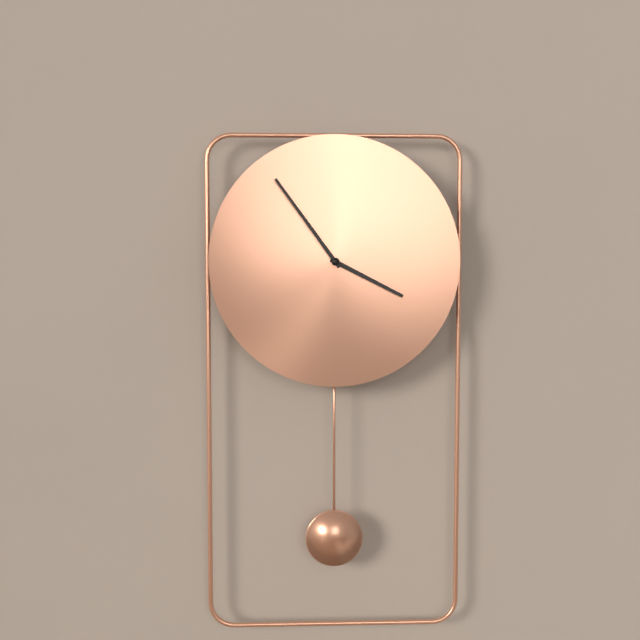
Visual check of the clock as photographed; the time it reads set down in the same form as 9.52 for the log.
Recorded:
3.54
